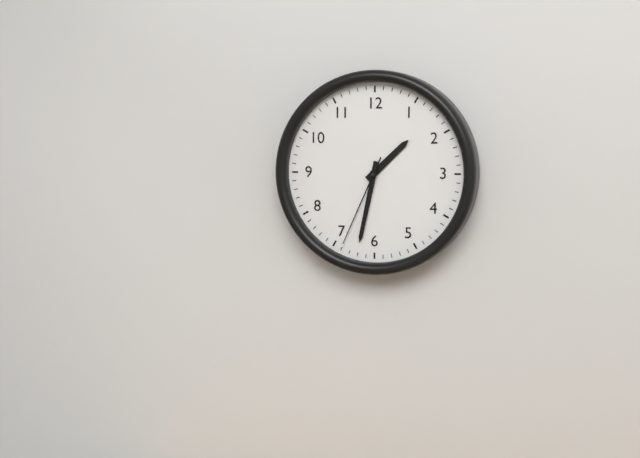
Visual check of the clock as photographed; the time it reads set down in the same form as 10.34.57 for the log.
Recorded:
1.32.34
